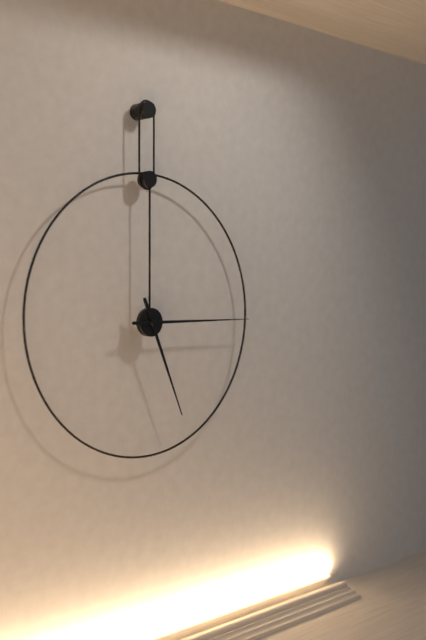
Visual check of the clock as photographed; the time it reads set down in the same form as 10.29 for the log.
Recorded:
5.15
